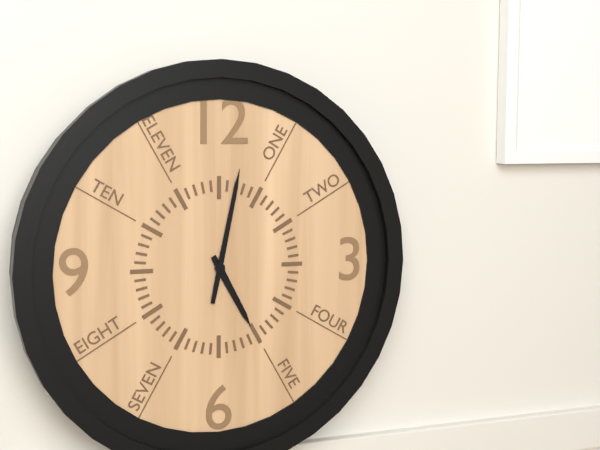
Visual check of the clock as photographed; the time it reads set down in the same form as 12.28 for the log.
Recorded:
5.02
